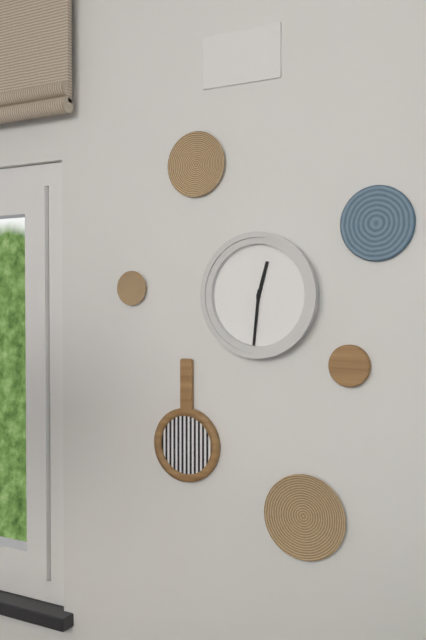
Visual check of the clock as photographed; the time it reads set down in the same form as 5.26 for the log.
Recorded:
12.31
